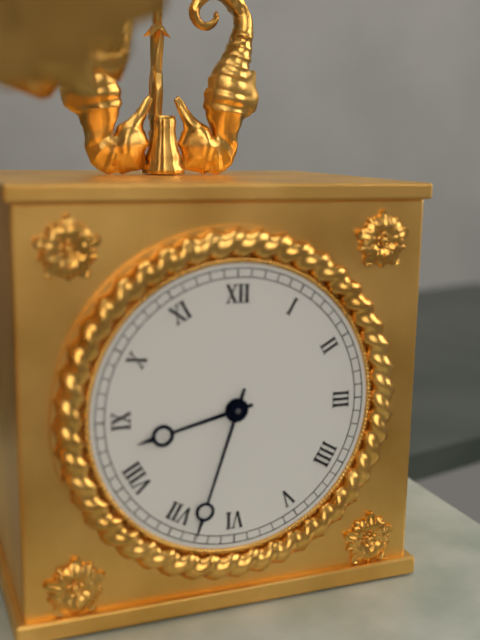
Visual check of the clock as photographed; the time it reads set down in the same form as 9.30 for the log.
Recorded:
8.33
